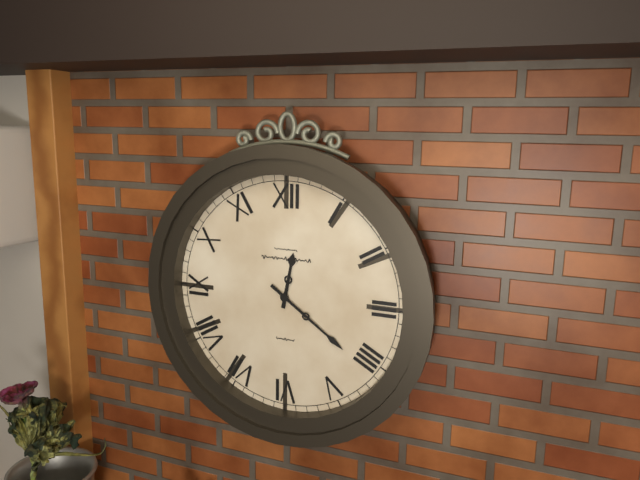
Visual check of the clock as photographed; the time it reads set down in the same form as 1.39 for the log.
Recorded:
12.21
